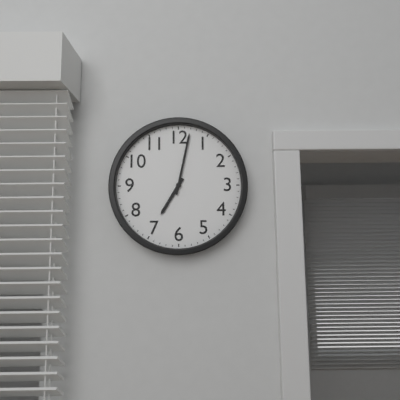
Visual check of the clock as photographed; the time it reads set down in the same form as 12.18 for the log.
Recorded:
7.02
